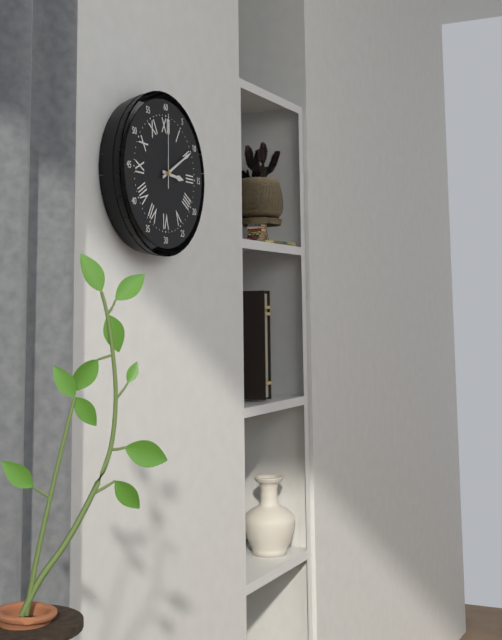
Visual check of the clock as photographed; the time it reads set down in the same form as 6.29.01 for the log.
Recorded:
3.10.00
